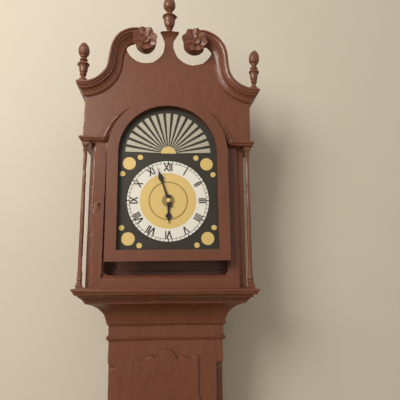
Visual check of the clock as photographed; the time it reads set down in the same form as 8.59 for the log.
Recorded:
5.57
